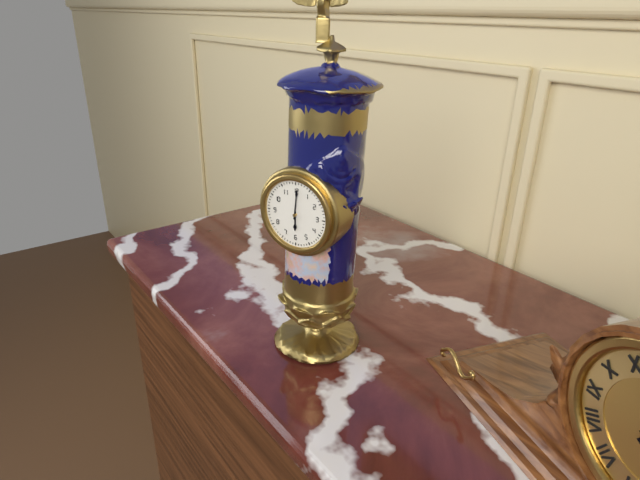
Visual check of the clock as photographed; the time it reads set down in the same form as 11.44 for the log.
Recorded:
6.01
